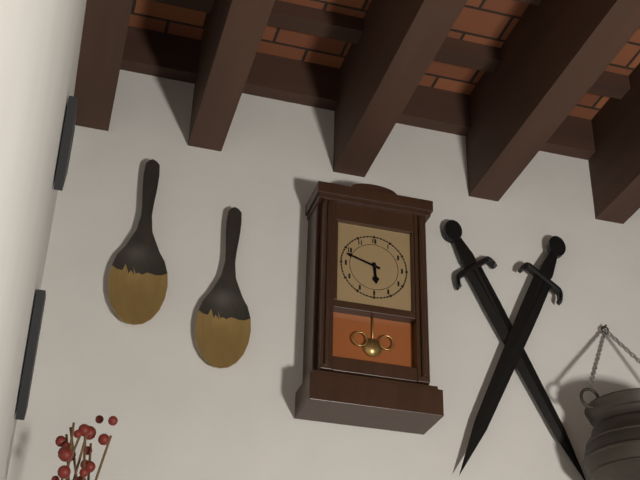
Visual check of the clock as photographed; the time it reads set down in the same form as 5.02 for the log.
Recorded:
5.48
